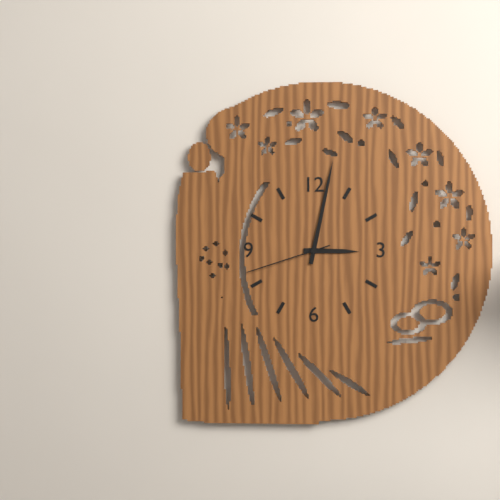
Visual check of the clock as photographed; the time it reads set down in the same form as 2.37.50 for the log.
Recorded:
3.02.42
